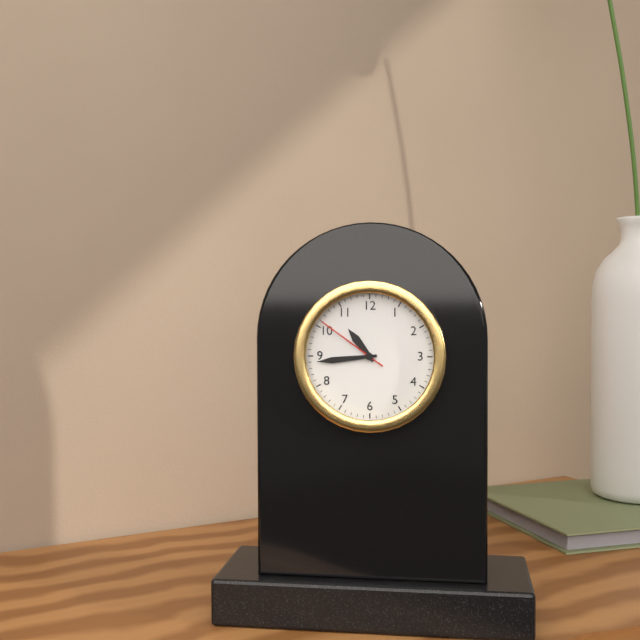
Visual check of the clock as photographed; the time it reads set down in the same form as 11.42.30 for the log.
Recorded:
10.44.51
